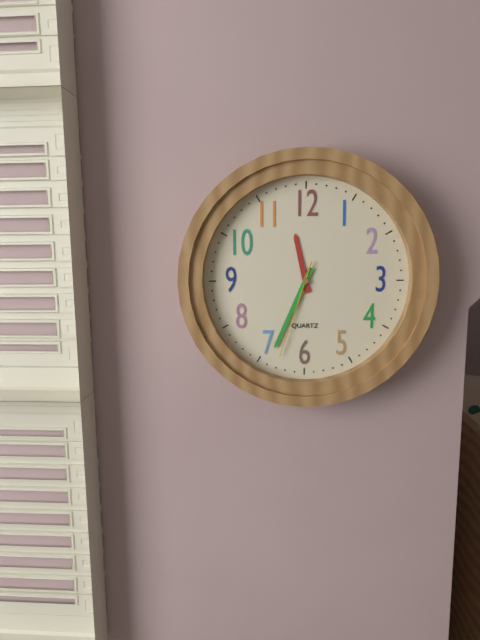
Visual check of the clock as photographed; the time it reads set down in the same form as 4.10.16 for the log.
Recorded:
11.34.33
